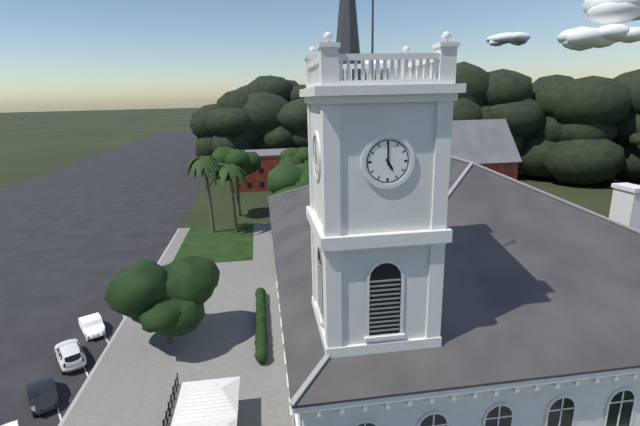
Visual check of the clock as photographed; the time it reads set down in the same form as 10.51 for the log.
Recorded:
5.00
